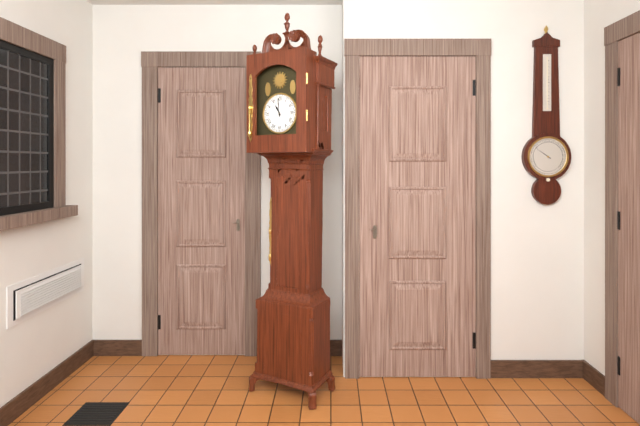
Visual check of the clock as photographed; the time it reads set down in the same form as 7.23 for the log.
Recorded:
10.59
